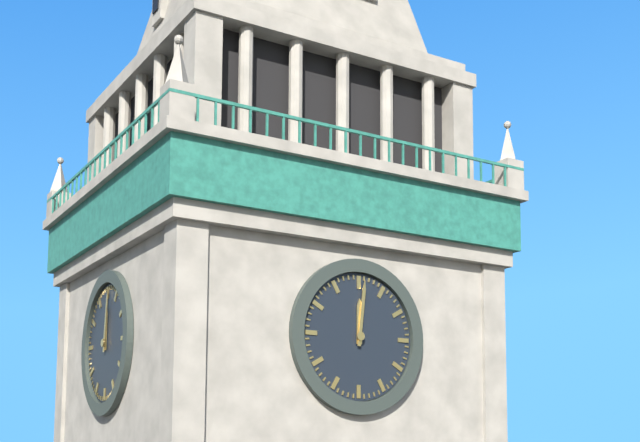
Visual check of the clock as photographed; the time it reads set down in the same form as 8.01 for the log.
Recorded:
12.01
